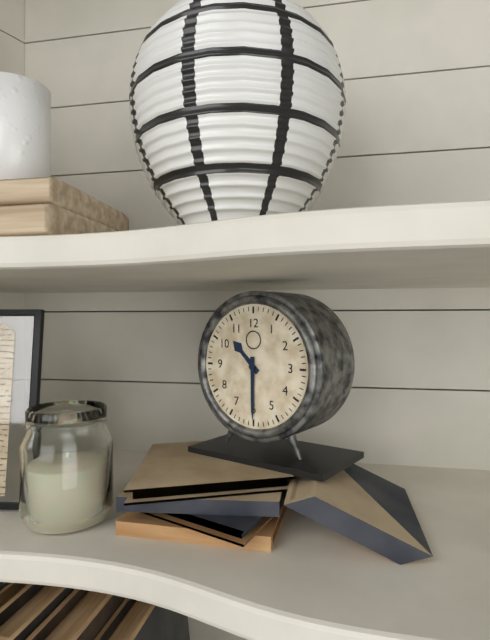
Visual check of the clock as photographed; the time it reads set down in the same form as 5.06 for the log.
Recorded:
10.30
